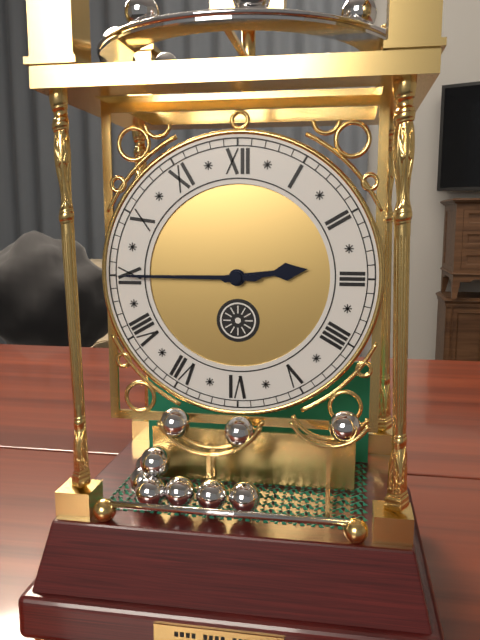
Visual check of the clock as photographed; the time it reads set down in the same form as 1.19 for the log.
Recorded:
2.45
